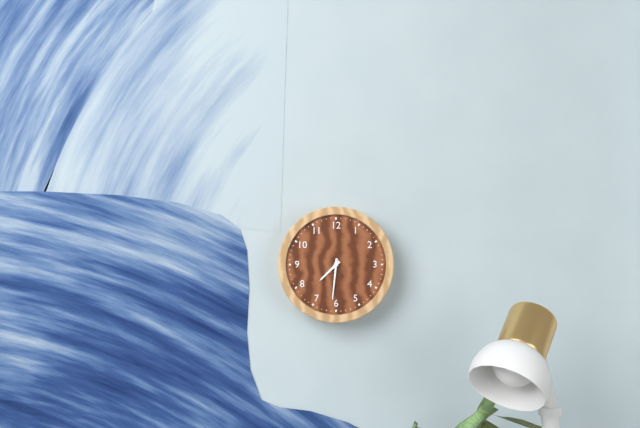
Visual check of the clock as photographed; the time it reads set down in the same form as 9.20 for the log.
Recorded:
7.31
